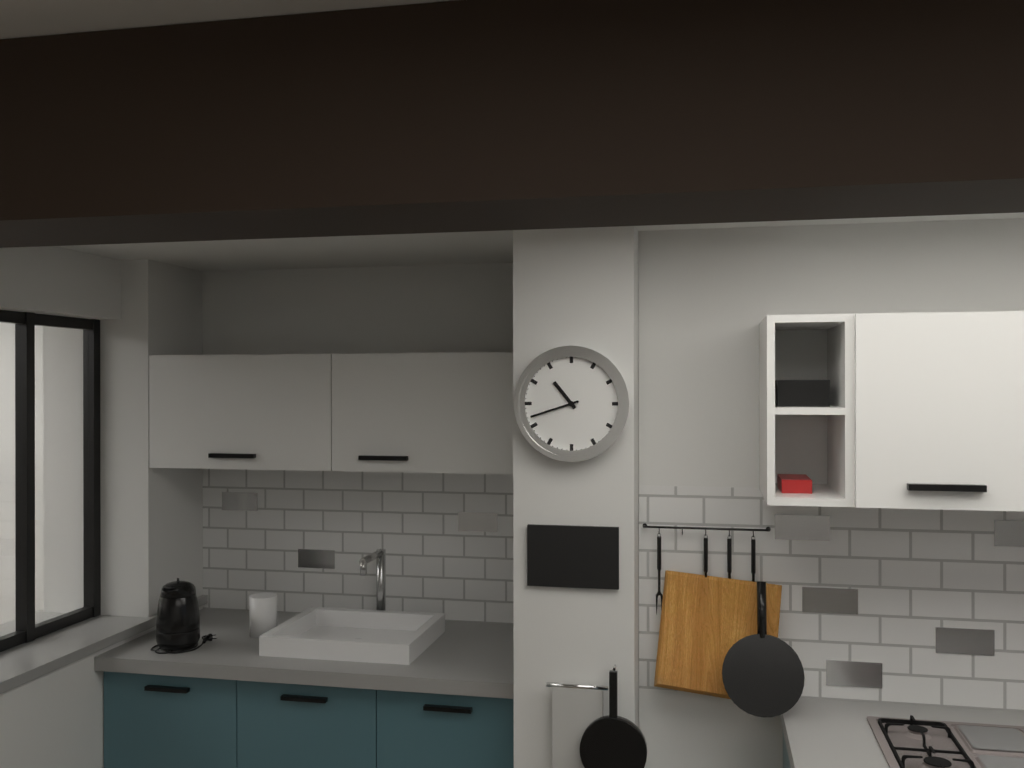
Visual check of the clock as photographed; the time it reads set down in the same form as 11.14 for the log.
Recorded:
10.42
